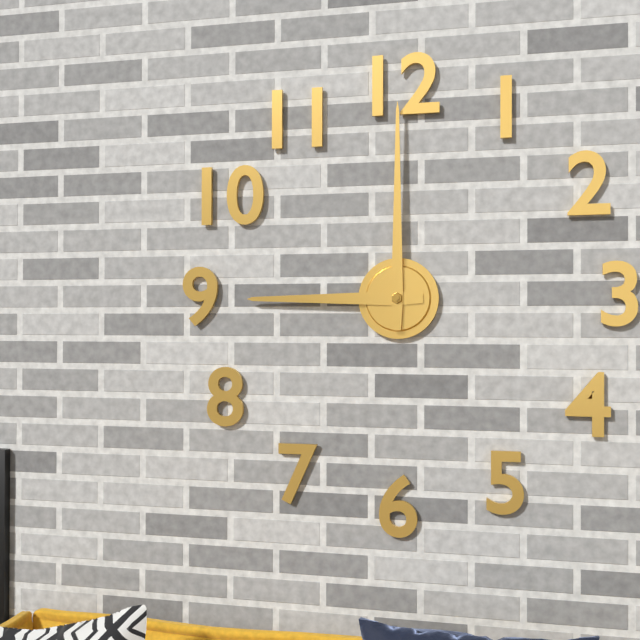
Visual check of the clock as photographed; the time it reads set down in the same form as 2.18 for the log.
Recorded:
9.00
